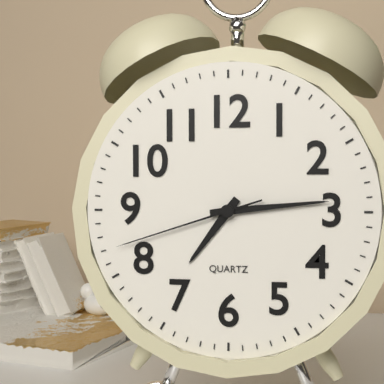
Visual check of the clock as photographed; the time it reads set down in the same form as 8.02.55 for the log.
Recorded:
7.14.42
